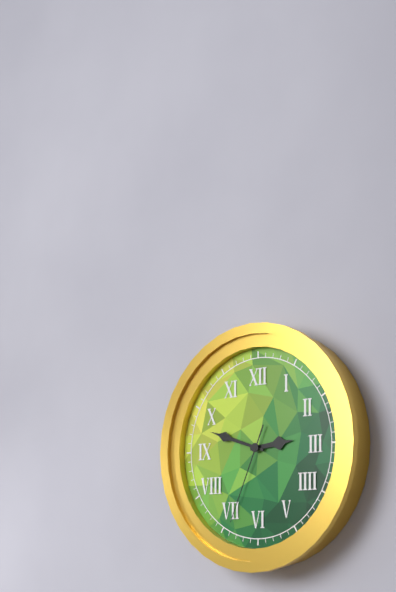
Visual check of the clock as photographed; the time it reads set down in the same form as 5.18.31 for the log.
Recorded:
2.48.34
